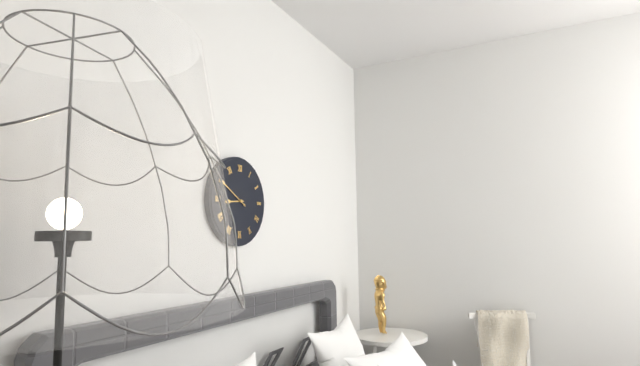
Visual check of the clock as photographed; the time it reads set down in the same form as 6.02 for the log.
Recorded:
8.50
